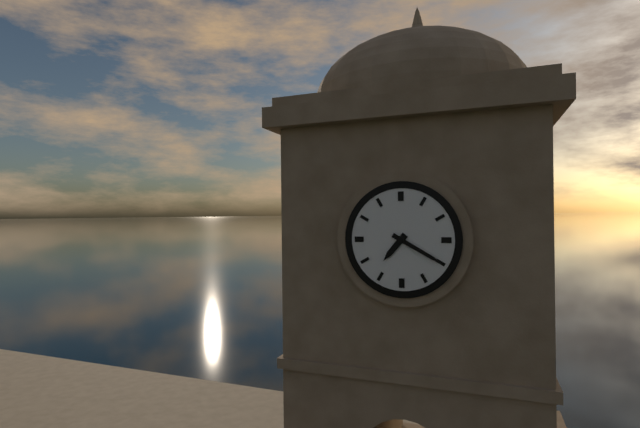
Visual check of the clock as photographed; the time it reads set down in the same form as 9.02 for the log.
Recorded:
7.20
